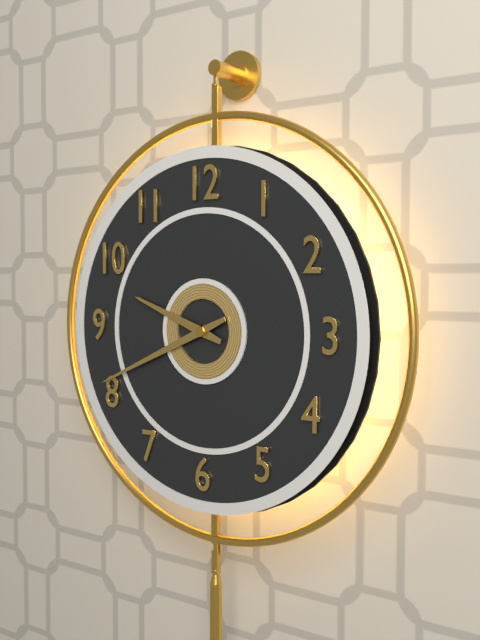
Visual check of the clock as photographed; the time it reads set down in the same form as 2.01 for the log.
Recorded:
9.41
